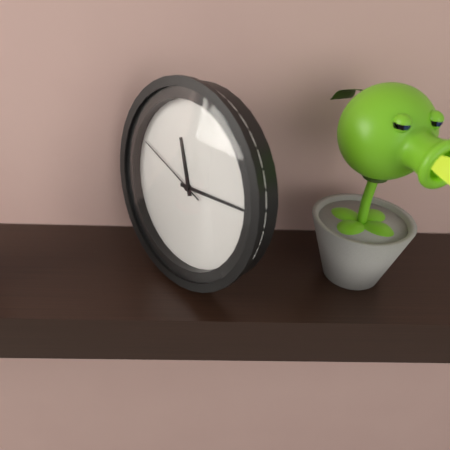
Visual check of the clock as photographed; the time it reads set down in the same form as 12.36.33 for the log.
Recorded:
11.14.48
